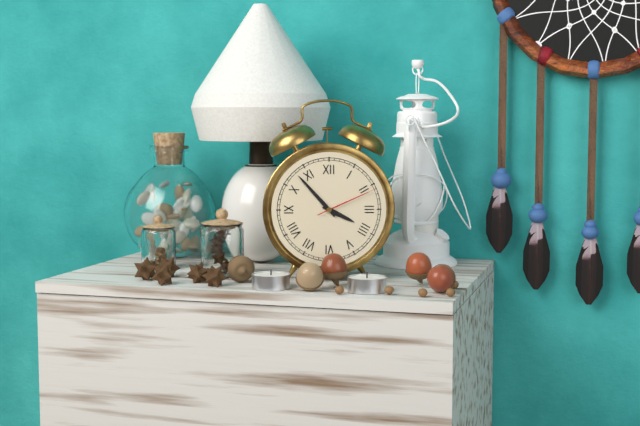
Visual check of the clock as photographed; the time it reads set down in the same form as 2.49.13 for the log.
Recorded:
3.53.11
